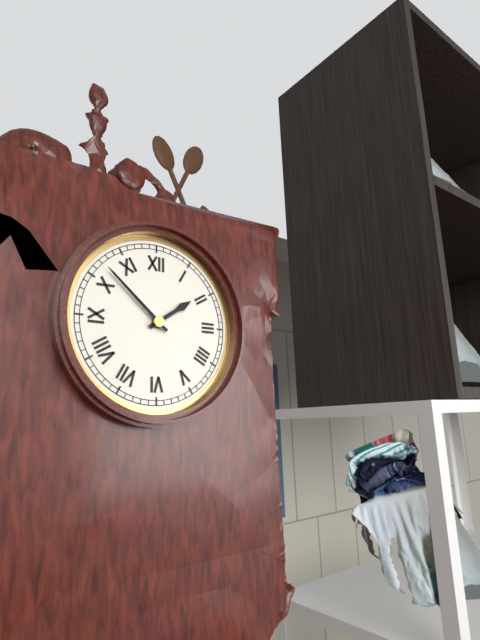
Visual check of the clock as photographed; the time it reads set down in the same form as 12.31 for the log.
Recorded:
1.52
